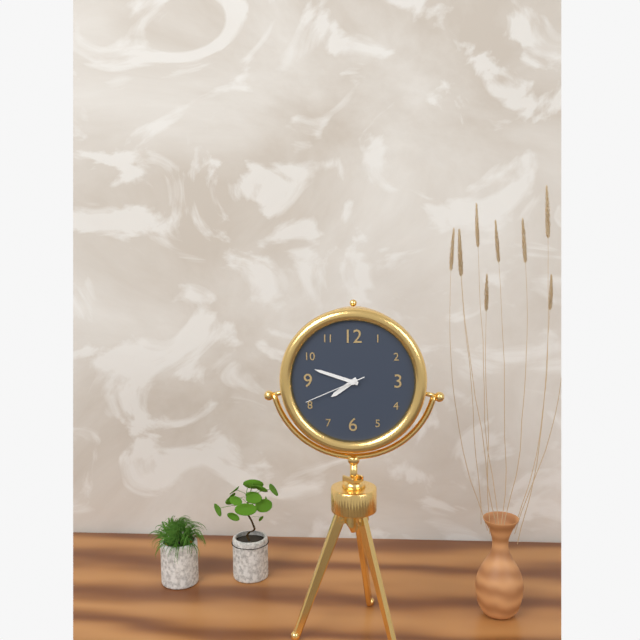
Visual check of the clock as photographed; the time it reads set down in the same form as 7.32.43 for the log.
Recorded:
7.48.41
